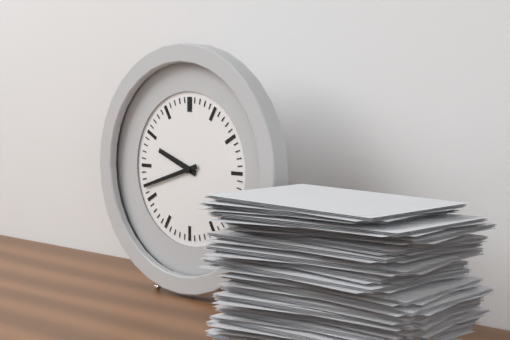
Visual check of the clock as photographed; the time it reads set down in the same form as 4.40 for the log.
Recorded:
9.42
